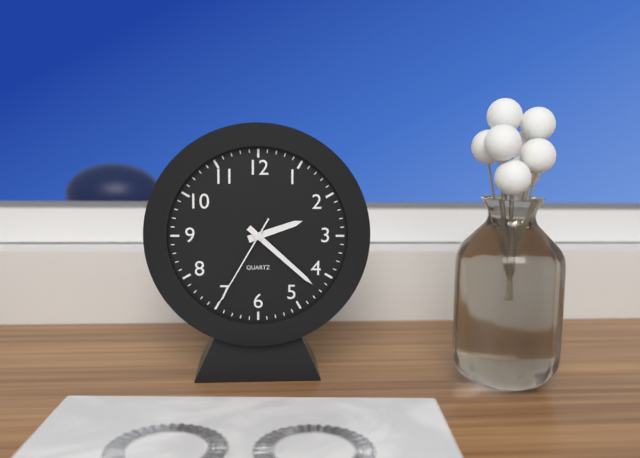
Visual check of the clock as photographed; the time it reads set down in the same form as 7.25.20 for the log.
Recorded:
2.22.35
